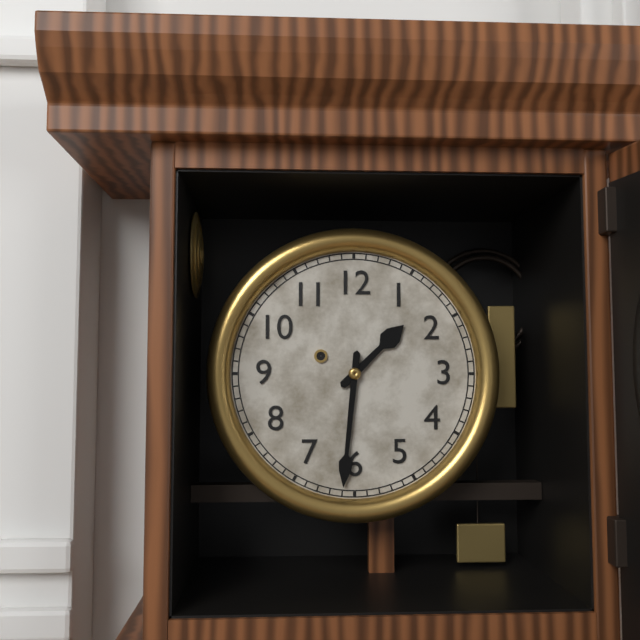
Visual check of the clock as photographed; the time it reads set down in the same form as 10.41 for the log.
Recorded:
1.31
